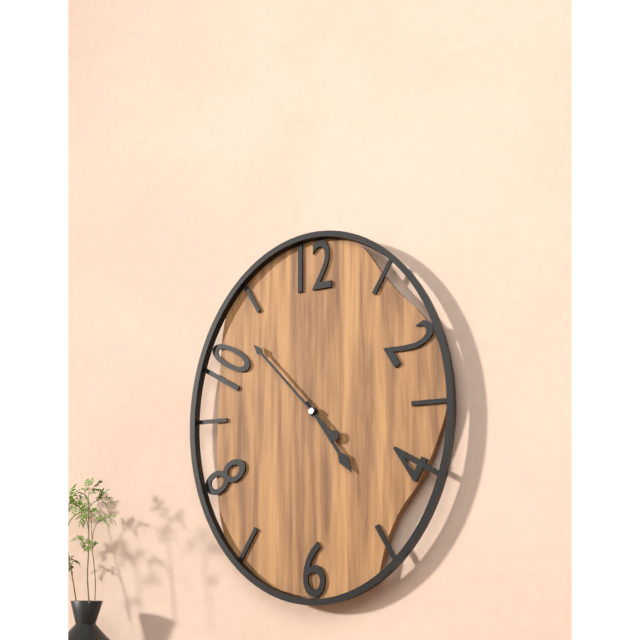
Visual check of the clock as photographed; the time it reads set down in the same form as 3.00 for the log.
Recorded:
4.53
